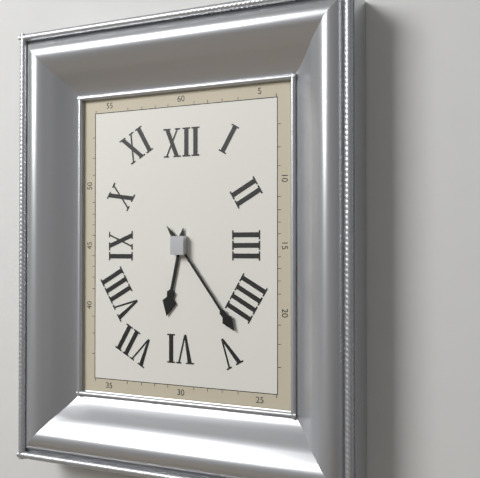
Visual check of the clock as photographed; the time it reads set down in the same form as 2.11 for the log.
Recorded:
6.24
